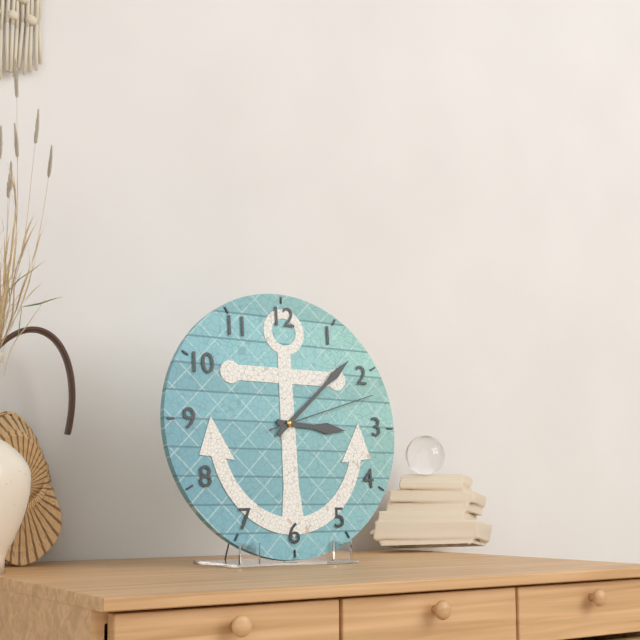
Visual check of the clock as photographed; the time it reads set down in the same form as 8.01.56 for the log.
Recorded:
3.08.12
